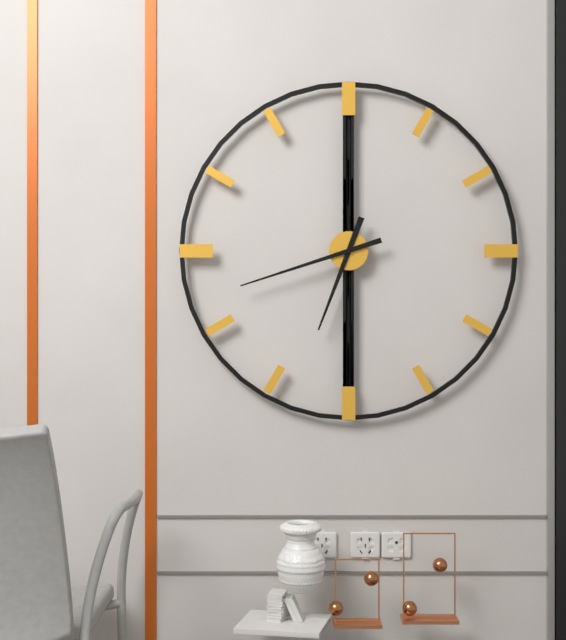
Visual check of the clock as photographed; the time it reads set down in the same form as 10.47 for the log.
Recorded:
6.42
